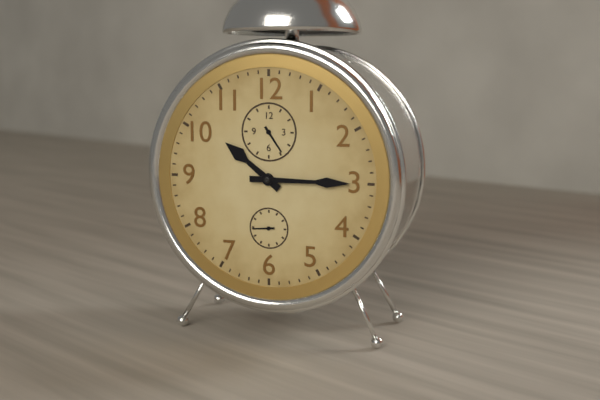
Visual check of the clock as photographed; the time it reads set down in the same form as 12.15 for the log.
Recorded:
10.15
